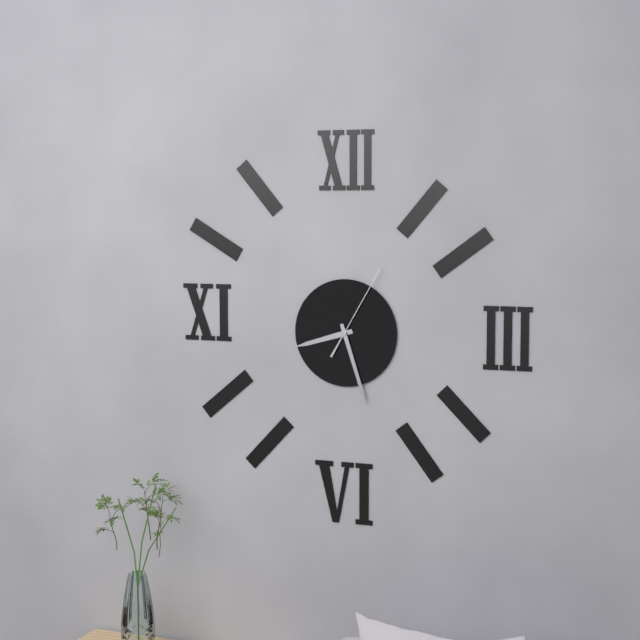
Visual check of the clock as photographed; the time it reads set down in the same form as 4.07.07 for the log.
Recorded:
8.27.05
